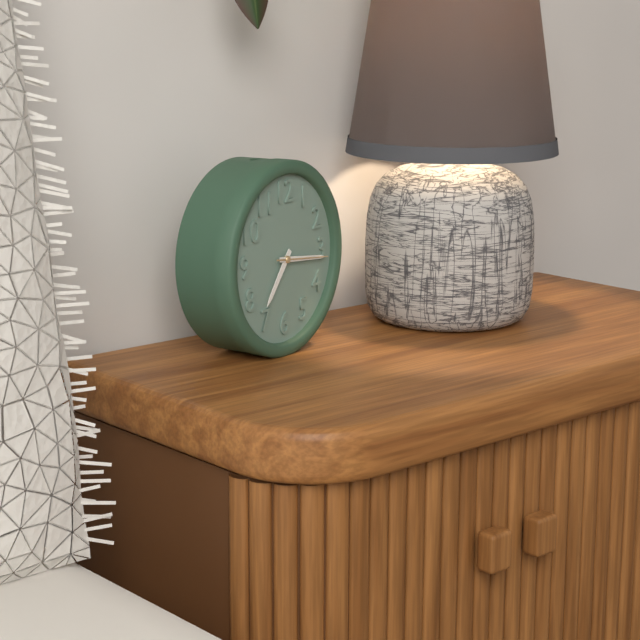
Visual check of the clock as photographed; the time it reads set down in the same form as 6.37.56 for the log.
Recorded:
7.16.16
